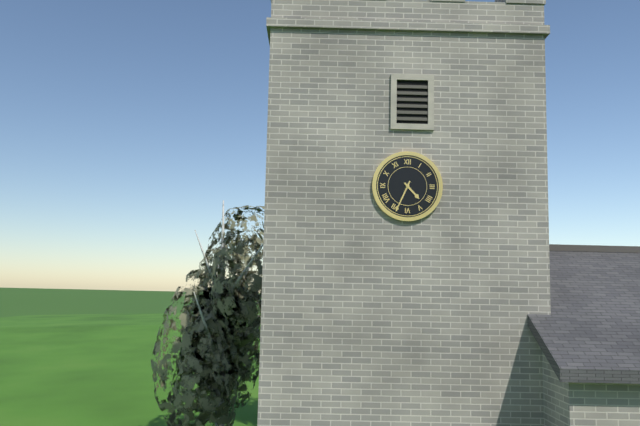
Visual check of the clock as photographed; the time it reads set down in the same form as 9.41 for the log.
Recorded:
4.34
